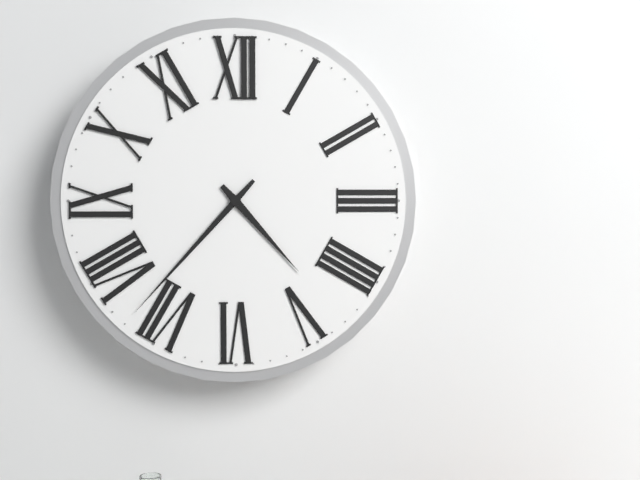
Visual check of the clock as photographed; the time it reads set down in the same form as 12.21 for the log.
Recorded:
4.37
